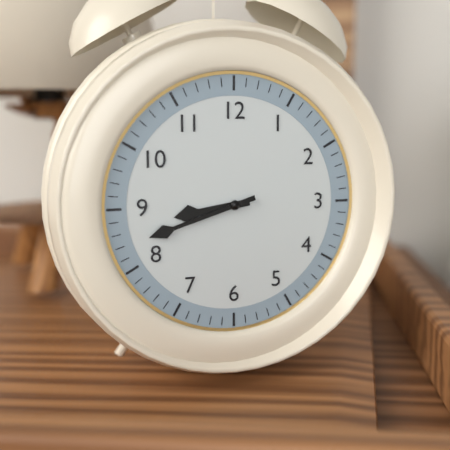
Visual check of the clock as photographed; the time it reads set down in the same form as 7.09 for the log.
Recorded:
8.42
